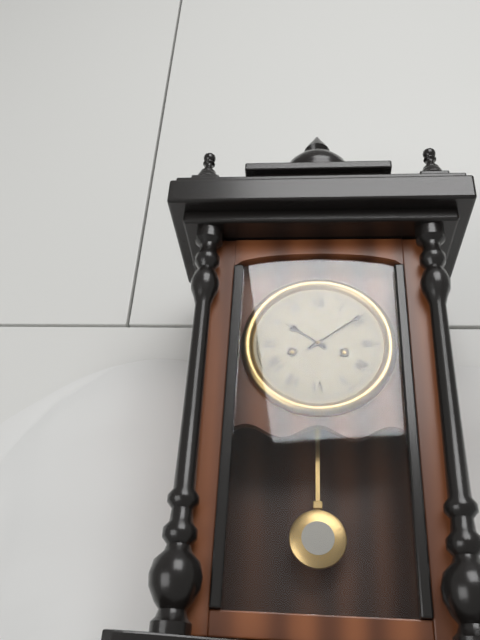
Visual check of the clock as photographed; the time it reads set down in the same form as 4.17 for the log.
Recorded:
10.09
